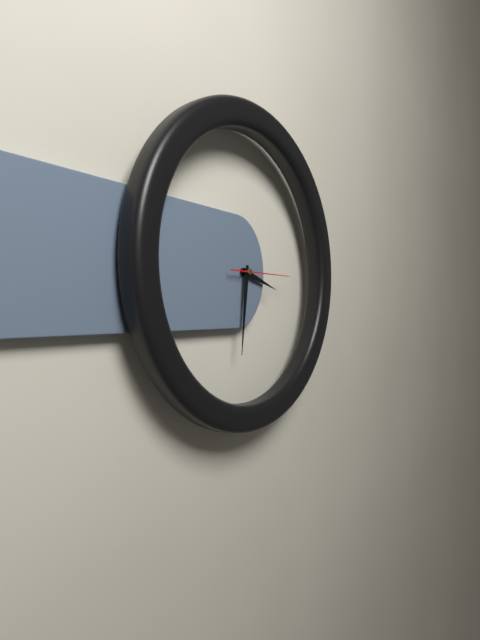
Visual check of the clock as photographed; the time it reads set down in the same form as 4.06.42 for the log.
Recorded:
3.31.15
